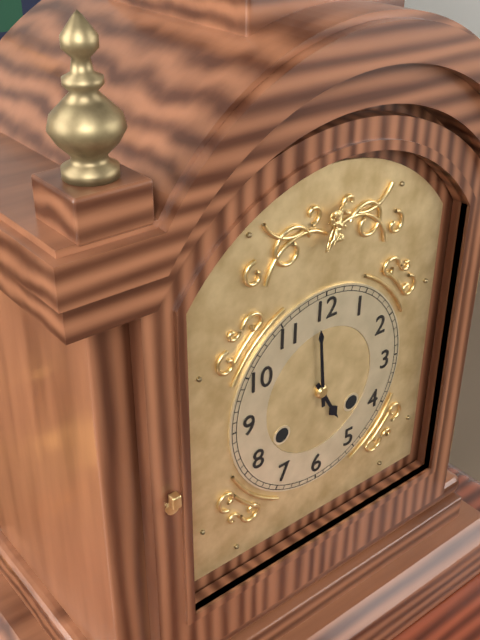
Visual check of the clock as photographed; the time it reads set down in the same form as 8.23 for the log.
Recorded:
4.59
